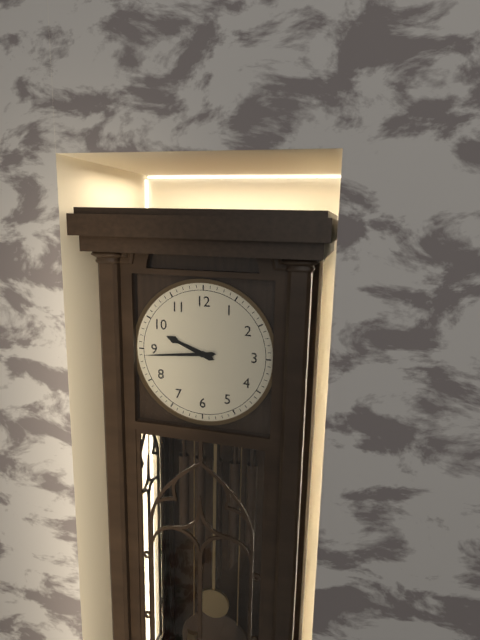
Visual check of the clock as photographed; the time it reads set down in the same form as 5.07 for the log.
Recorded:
9.44
